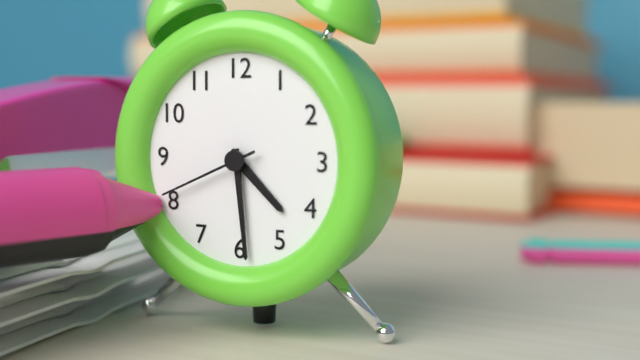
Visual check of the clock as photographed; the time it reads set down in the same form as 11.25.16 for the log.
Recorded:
4.29.41
